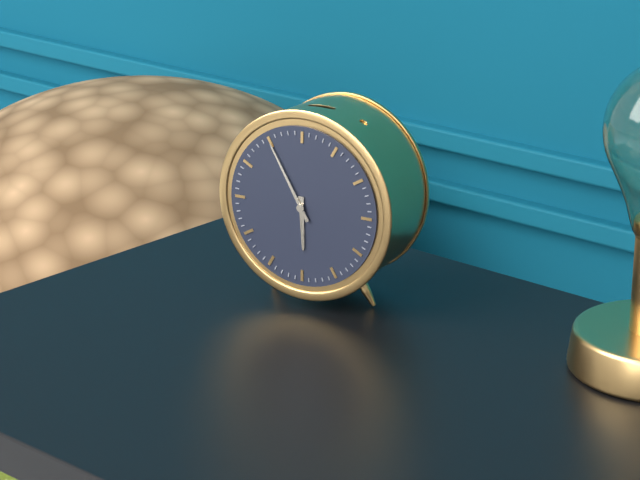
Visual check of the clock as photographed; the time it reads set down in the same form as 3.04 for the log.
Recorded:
5.55
